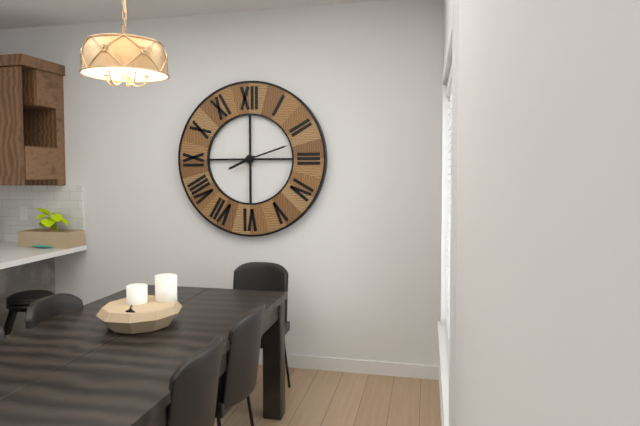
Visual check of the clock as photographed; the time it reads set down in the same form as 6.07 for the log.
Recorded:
8.12
